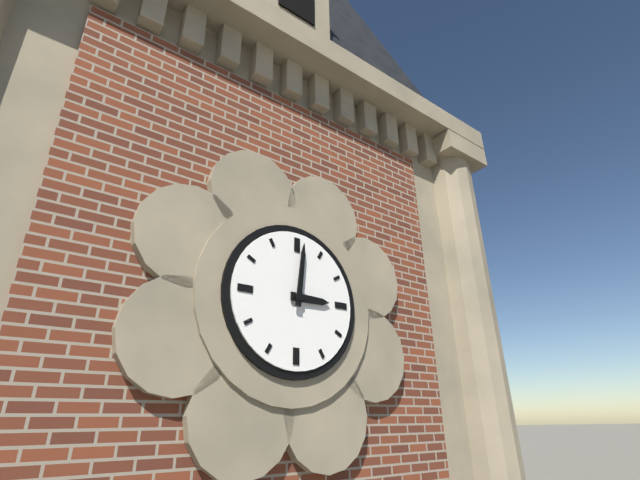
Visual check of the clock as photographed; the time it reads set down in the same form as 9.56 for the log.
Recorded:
3.01
